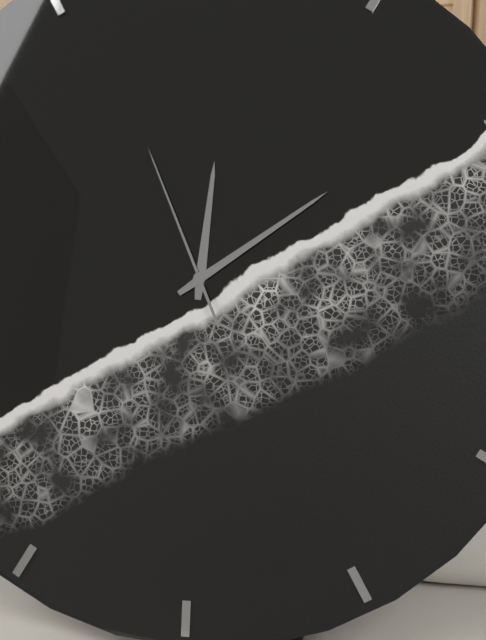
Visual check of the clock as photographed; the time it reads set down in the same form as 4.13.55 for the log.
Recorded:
12.09.56
